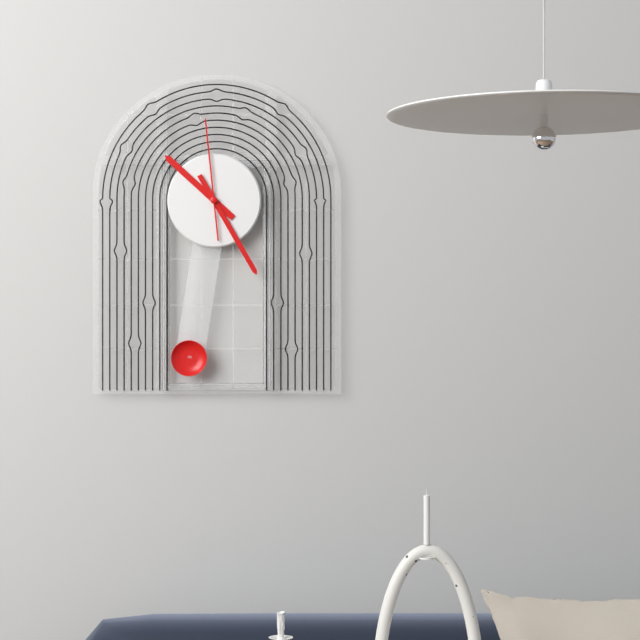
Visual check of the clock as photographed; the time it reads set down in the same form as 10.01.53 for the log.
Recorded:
10.25.59
